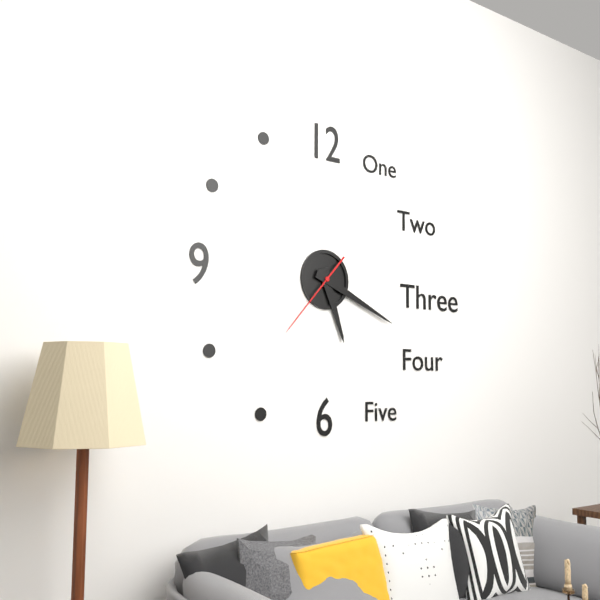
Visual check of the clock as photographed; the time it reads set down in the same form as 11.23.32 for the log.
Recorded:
5.19.37
